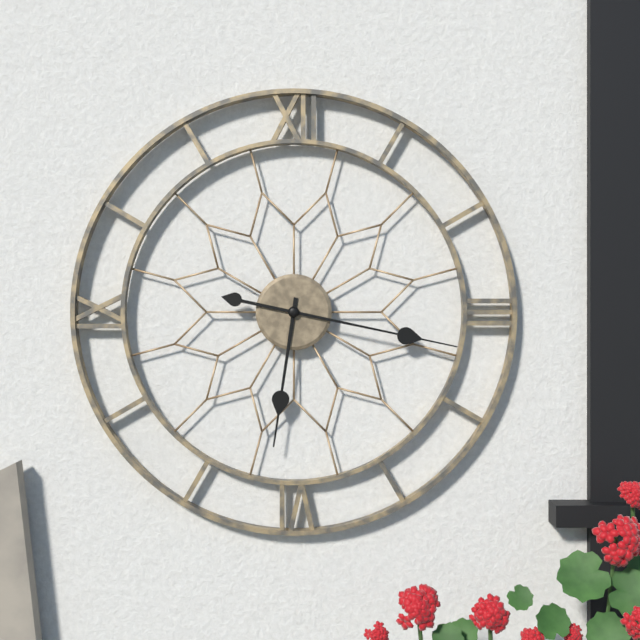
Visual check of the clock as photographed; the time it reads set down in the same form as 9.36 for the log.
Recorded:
6.17
